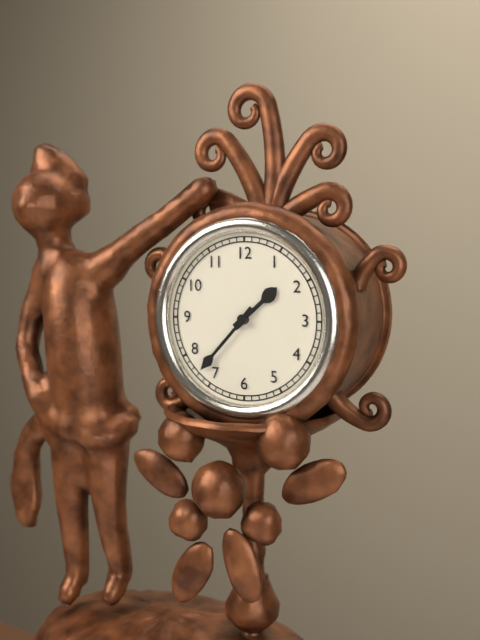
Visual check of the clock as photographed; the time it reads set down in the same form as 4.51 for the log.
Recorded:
1.37
